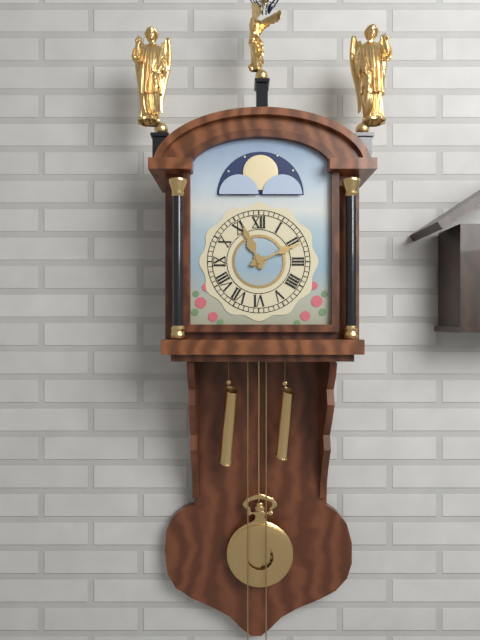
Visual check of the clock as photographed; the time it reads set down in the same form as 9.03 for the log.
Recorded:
11.11
